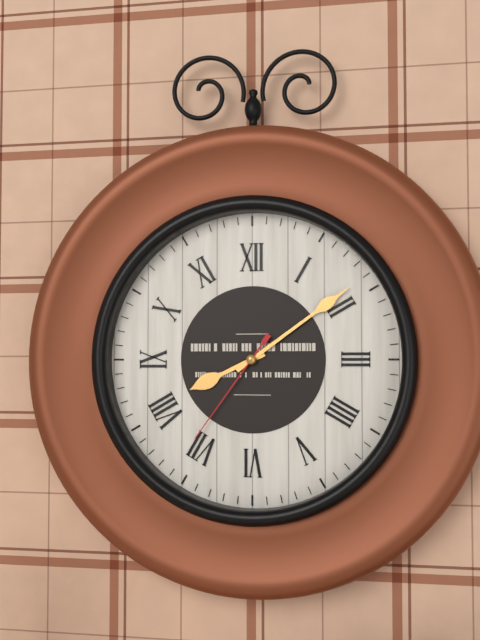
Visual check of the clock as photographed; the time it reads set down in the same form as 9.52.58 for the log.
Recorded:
8.09.36
